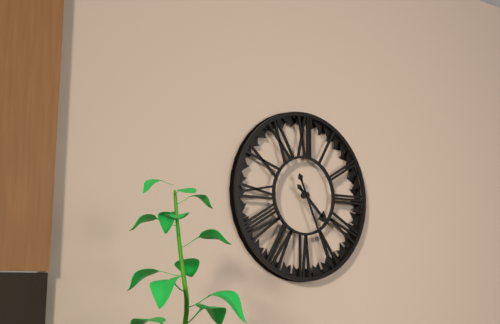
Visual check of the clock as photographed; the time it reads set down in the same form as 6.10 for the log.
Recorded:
4.26
